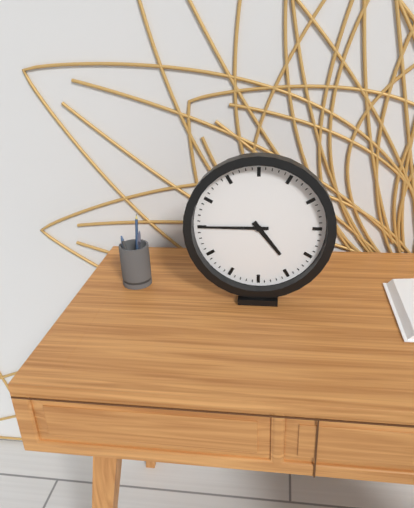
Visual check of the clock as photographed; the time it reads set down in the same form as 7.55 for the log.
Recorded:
4.45
